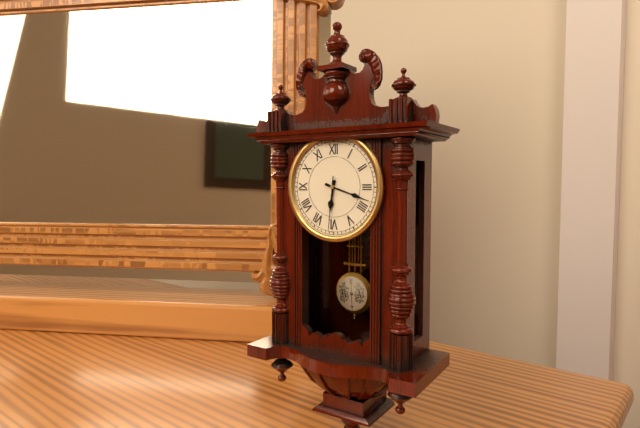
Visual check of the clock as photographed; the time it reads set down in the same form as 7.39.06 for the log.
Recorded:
6.18.31
